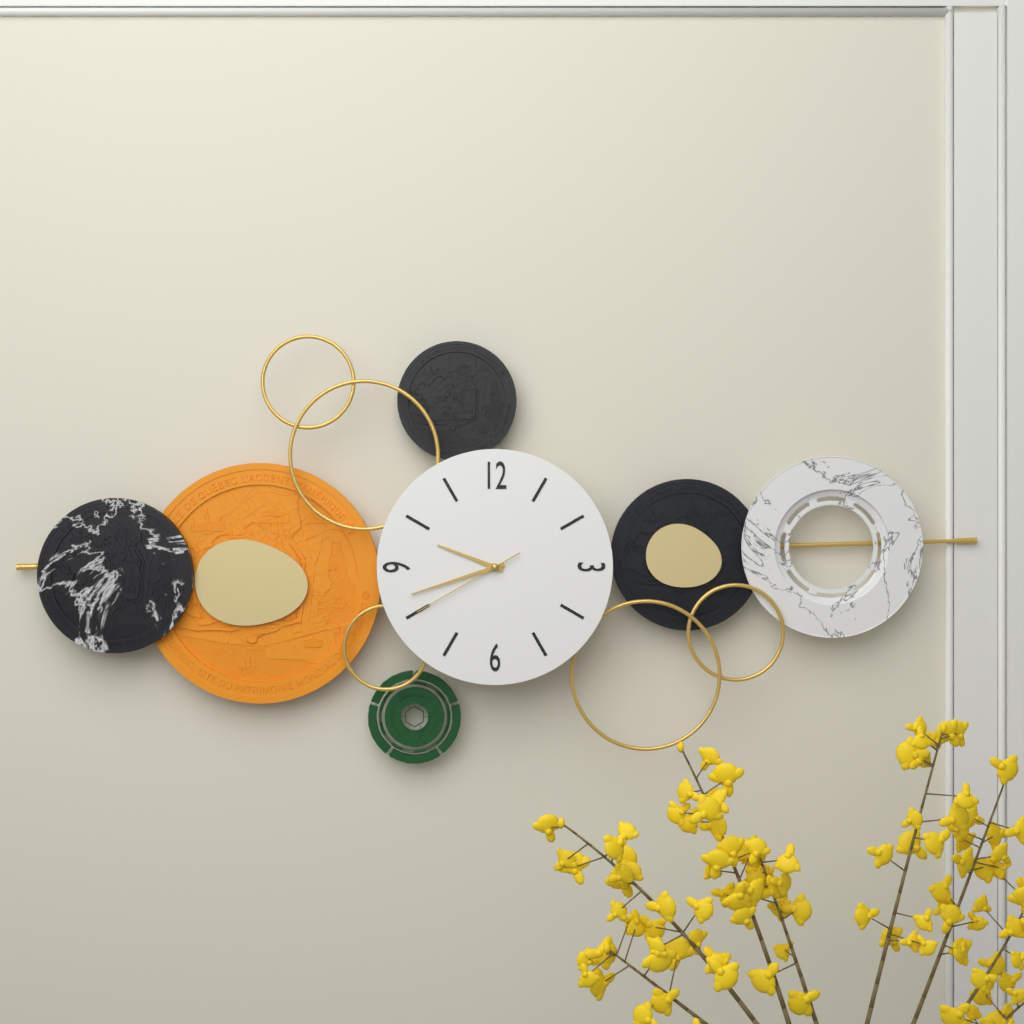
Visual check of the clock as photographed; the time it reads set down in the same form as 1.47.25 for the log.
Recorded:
9.42.40
